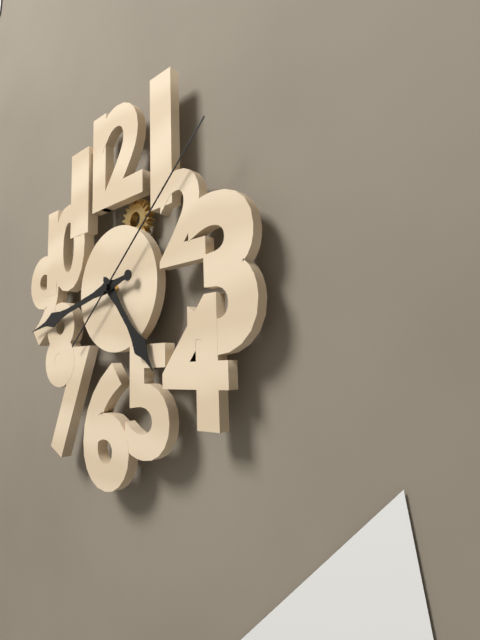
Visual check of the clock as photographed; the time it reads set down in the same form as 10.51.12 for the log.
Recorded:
4.43.08
